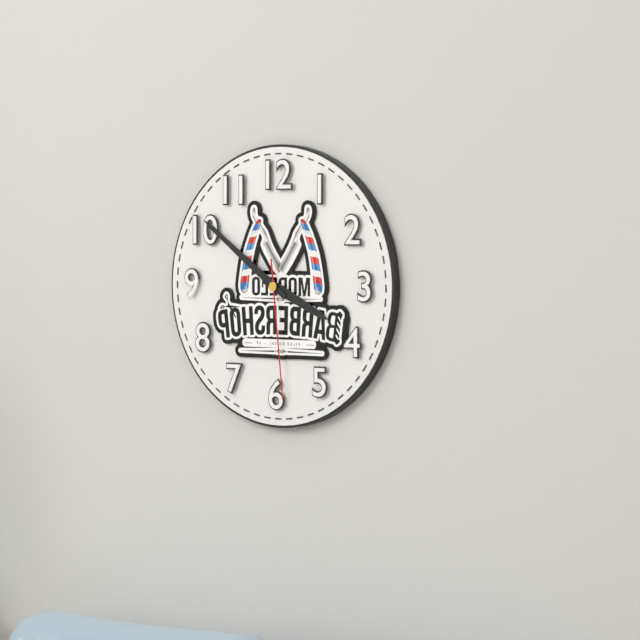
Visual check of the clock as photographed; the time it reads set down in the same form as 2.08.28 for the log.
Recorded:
3.51.29
